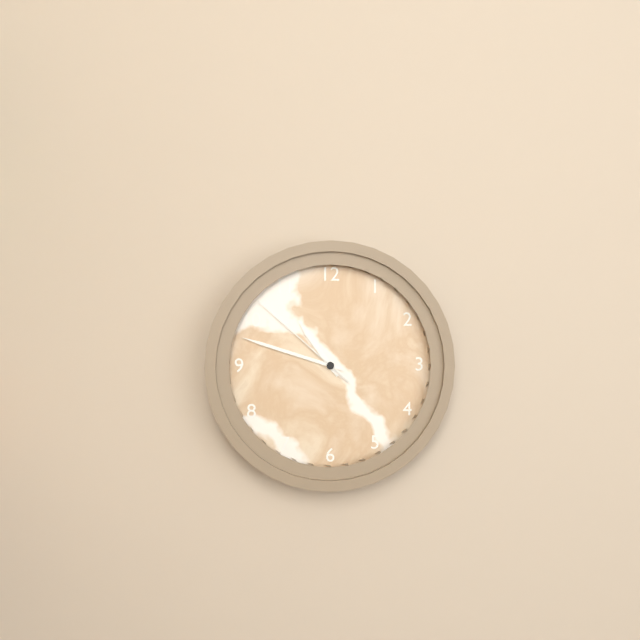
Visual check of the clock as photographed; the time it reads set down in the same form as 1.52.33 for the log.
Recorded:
10.48.52
